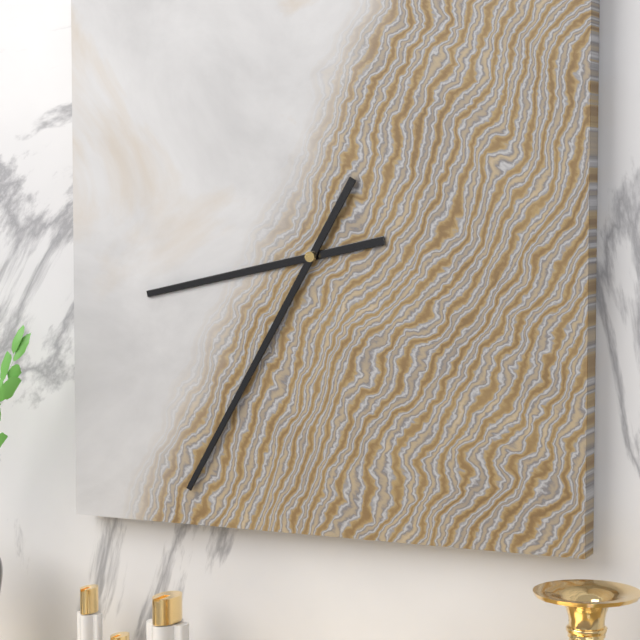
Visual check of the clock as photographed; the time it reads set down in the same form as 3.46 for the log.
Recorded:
8.35
